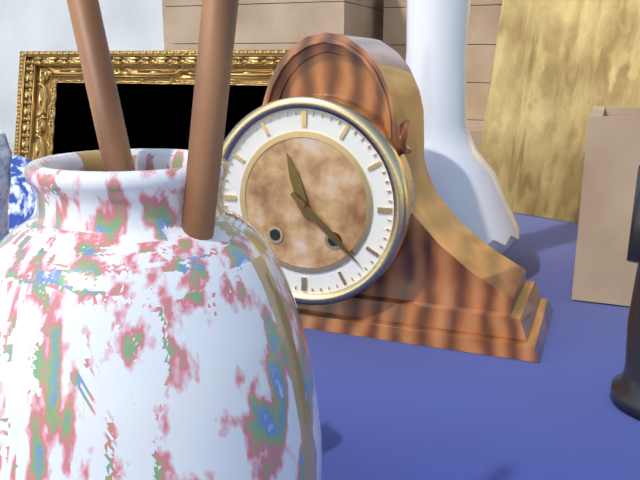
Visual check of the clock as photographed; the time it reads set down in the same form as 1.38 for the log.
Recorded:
11.22
